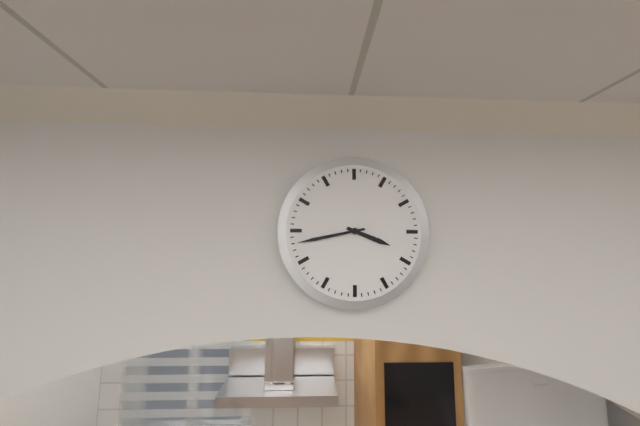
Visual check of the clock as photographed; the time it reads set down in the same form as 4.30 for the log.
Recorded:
3.43
